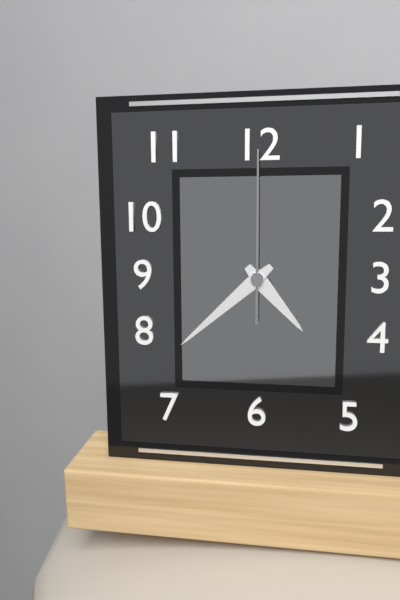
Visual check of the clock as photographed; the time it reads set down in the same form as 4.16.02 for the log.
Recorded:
4.38.00
